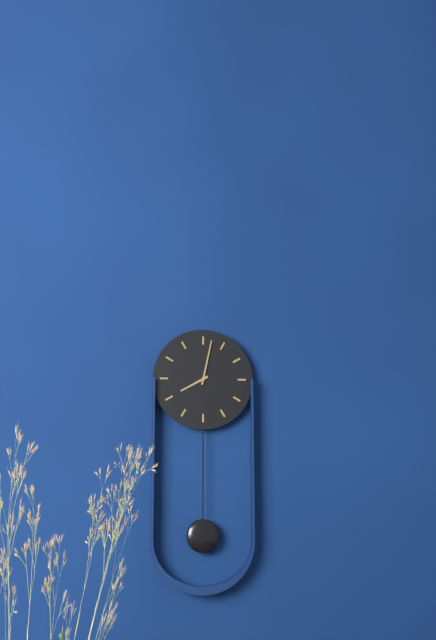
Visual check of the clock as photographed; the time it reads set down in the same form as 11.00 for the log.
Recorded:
8.02
